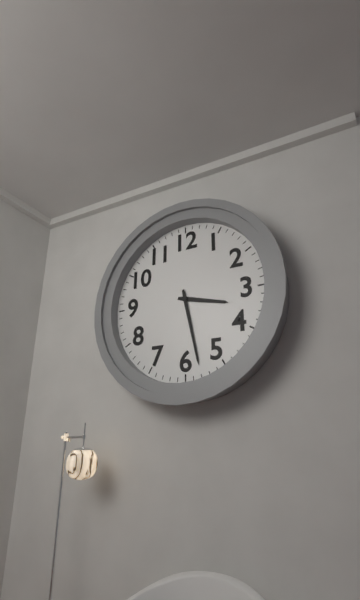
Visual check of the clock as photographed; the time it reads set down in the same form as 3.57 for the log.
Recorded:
3.28
